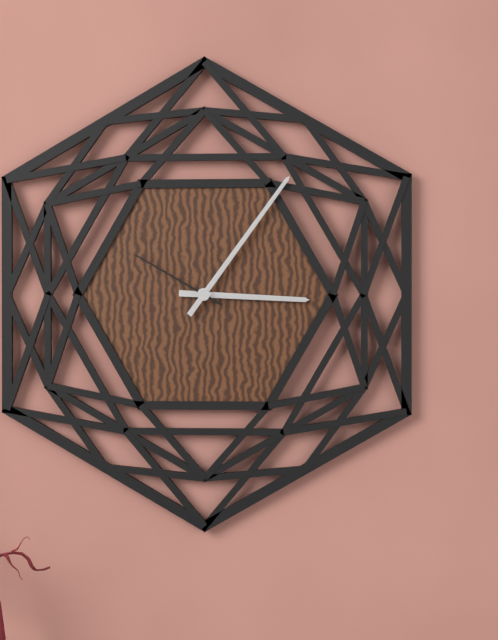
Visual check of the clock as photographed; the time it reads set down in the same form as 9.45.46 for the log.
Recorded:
3.06.50
